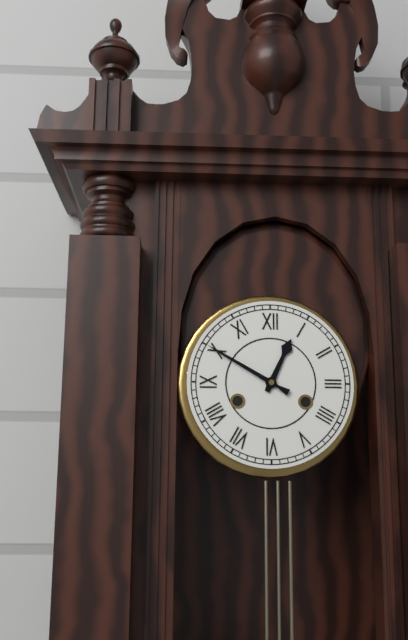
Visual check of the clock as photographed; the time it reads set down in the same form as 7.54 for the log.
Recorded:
12.50
